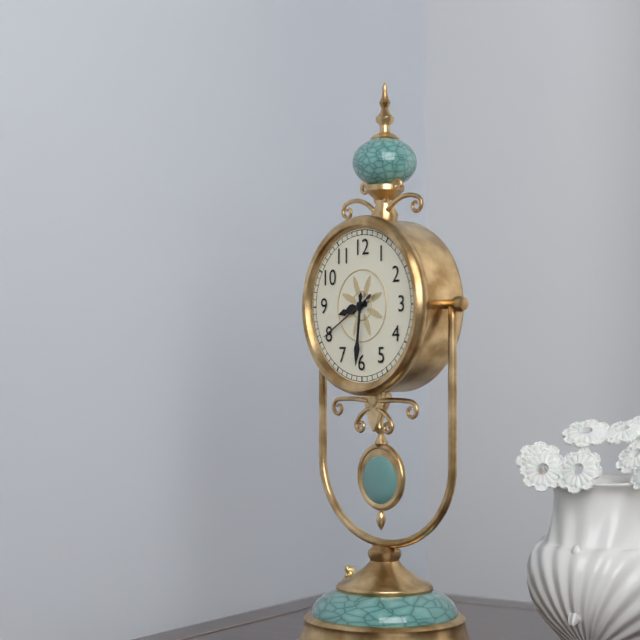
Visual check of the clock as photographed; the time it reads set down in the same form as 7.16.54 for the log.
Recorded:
8.31.40
